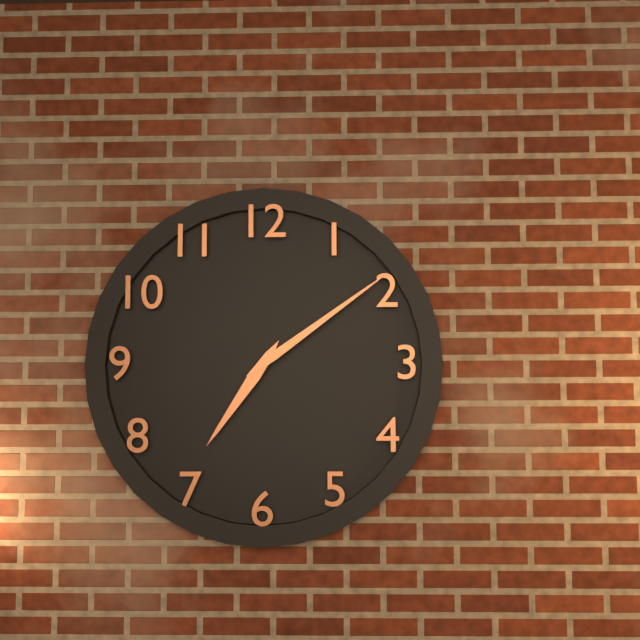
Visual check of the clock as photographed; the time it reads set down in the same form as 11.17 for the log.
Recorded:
7.09
